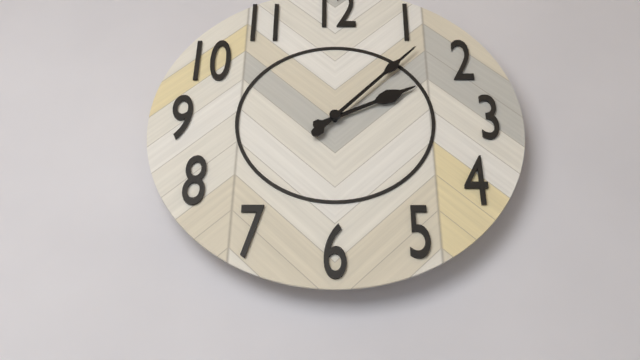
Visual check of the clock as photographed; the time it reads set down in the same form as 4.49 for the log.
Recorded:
2.07
